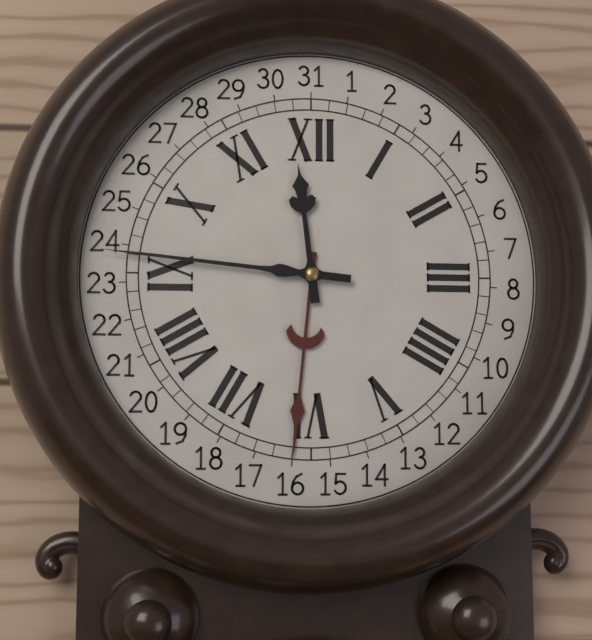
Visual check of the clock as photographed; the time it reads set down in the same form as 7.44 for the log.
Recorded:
11.46
